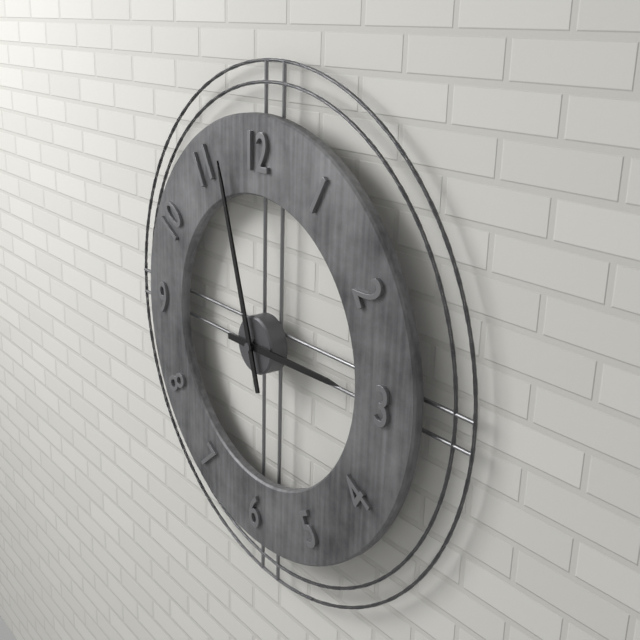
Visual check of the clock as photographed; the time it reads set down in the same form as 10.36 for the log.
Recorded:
2.57
